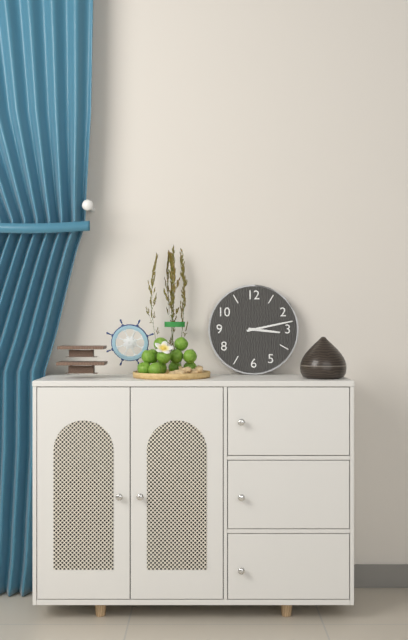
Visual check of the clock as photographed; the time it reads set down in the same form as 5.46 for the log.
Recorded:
3.13
